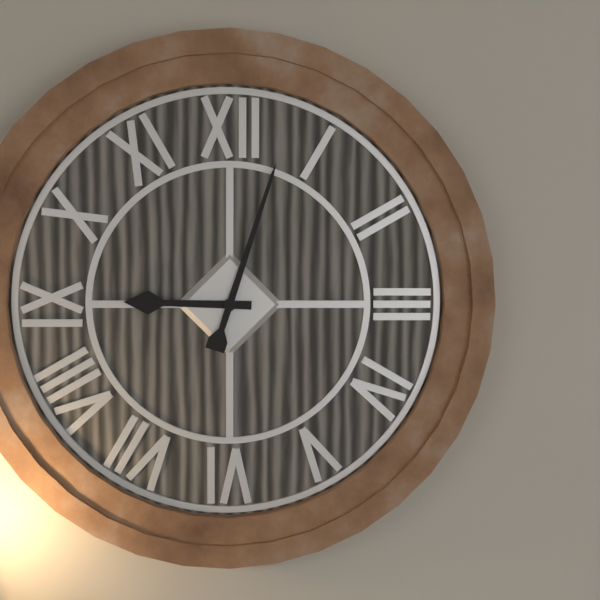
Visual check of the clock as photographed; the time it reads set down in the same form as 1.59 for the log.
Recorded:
9.03
